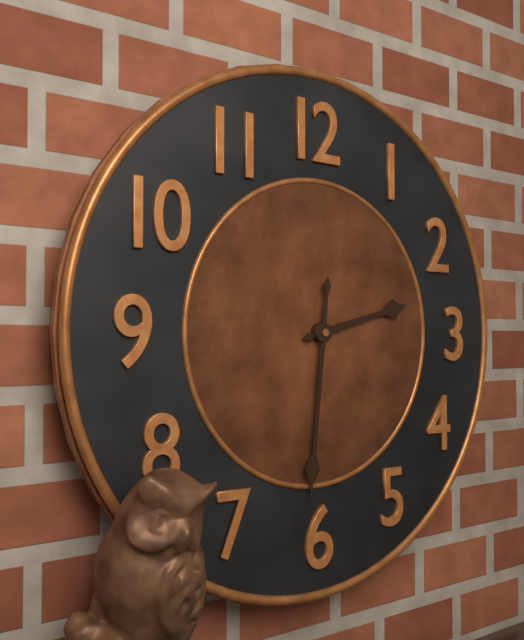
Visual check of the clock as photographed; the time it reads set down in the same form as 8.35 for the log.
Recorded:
2.31
